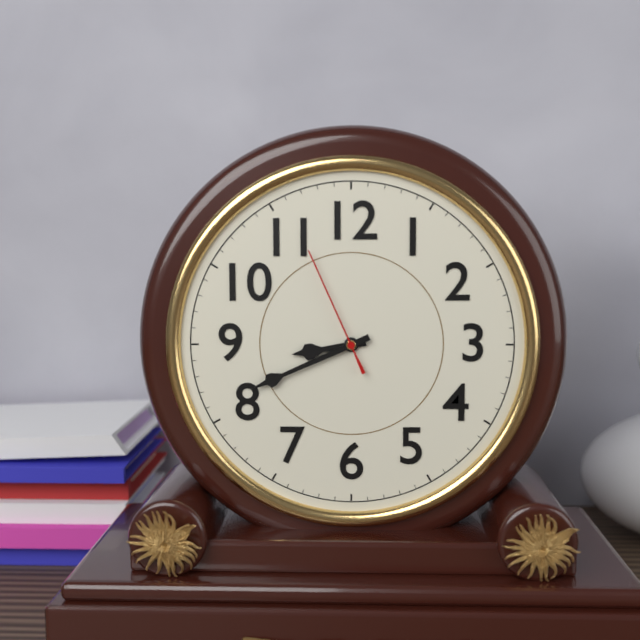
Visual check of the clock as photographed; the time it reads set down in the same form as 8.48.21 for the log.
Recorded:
8.41.56
